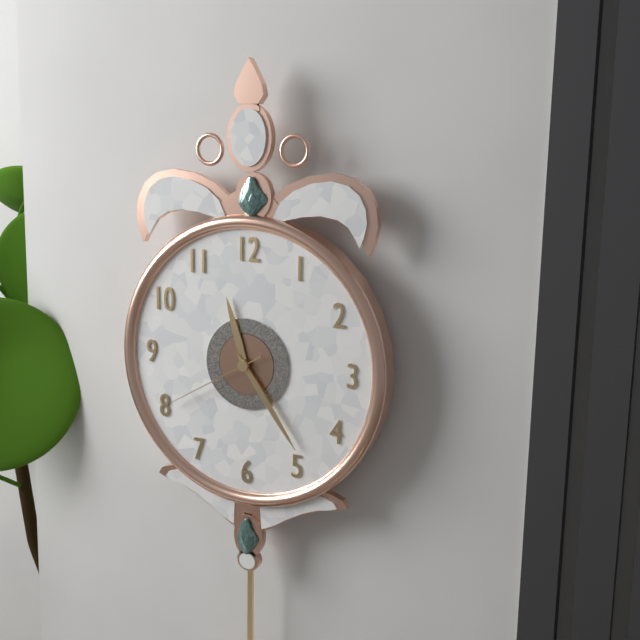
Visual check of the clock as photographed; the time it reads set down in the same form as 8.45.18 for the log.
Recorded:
11.24.40
